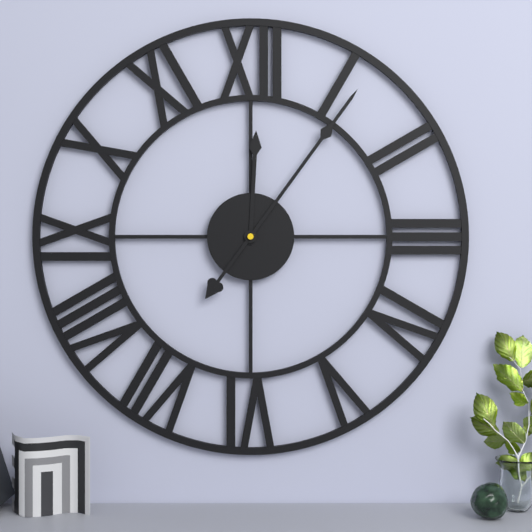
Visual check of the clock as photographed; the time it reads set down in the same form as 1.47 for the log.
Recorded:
12.06
